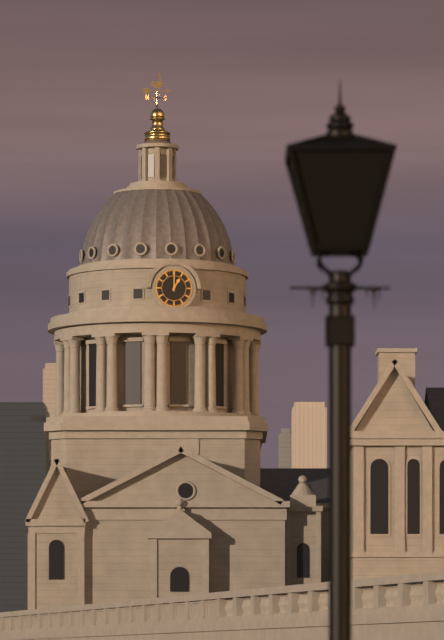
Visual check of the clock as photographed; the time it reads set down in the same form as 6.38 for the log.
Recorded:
1.00
